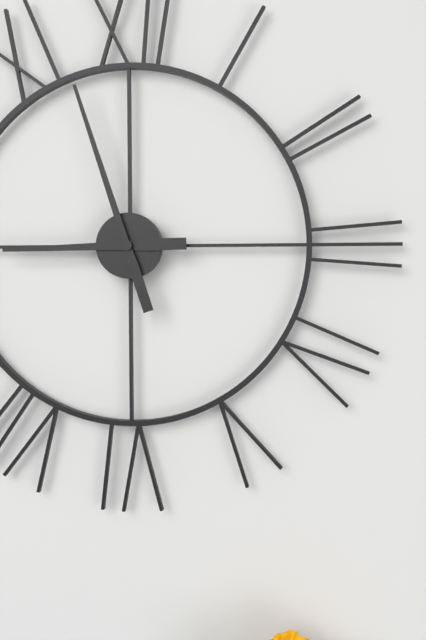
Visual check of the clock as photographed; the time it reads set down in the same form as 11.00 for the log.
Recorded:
8.57
